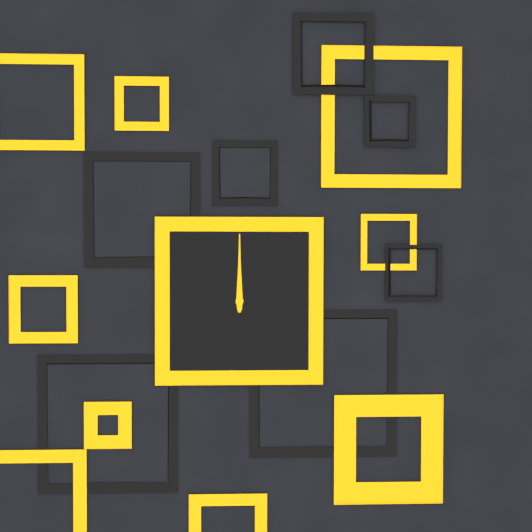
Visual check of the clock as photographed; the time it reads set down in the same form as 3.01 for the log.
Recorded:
12.00
